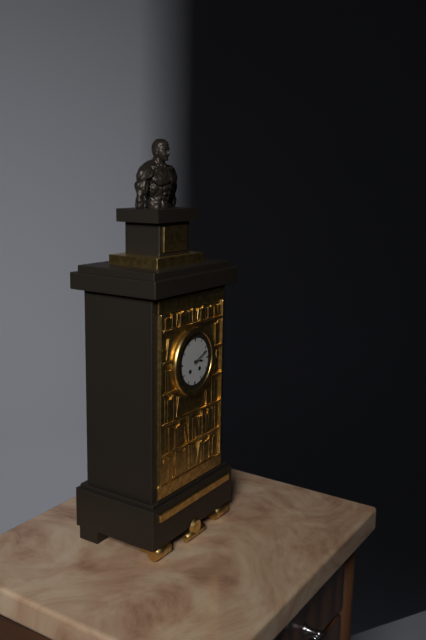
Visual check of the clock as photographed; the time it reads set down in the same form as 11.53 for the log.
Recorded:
3.11
